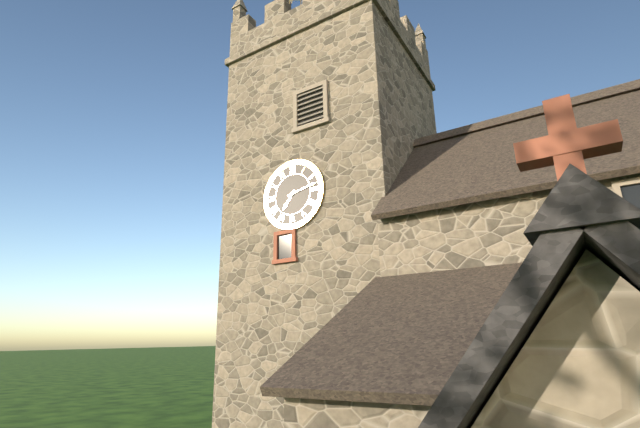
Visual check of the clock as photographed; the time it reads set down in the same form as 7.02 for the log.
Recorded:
7.13
